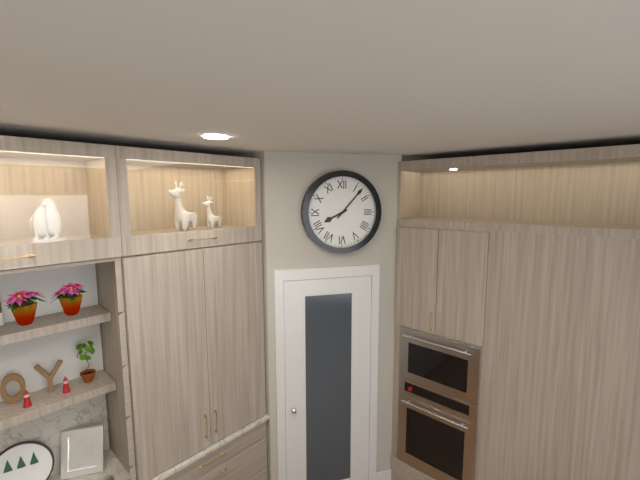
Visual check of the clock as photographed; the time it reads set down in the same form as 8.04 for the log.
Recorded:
8.07
